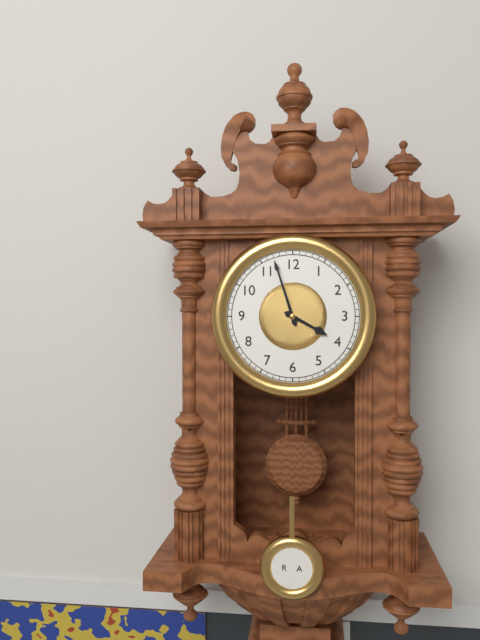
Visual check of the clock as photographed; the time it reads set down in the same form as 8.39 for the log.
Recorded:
3.57
